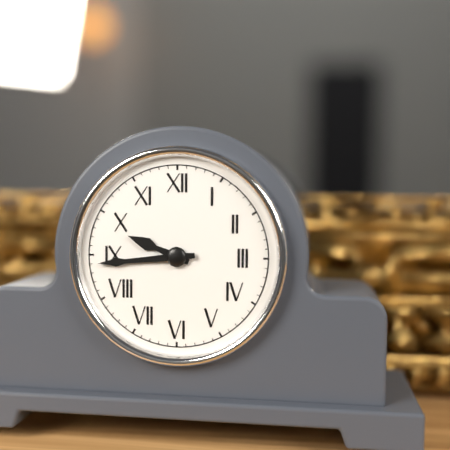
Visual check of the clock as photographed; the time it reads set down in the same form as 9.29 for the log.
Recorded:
9.44
